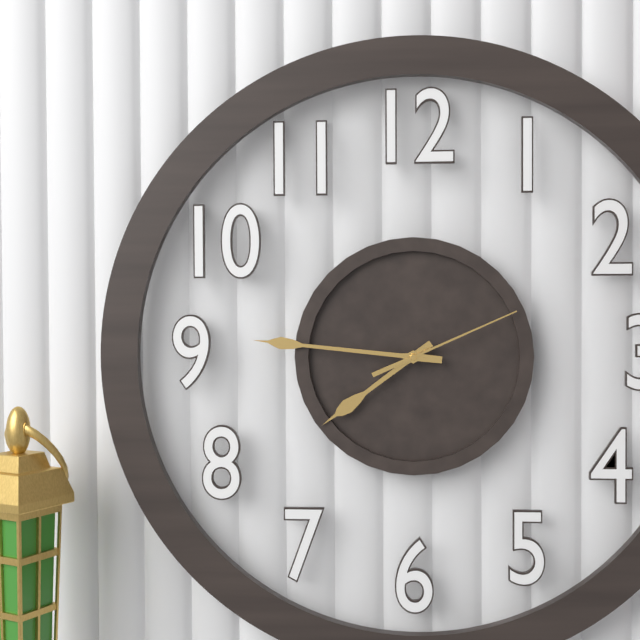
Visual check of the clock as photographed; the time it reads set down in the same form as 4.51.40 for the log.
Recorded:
7.46.11
